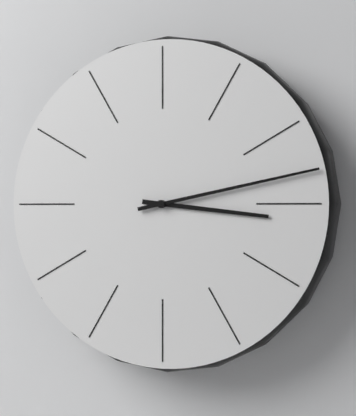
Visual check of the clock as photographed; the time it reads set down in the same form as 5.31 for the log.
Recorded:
3.13
